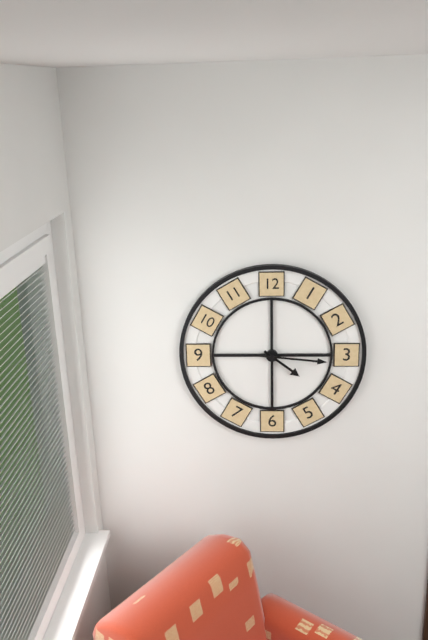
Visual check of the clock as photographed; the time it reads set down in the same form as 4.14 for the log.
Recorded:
4.16
